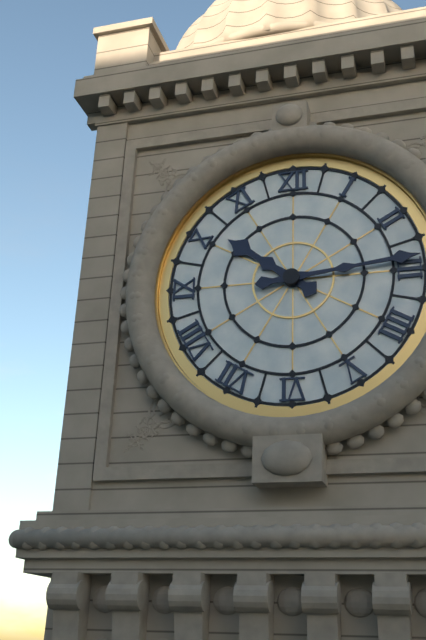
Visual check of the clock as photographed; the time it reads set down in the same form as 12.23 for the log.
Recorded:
10.14
